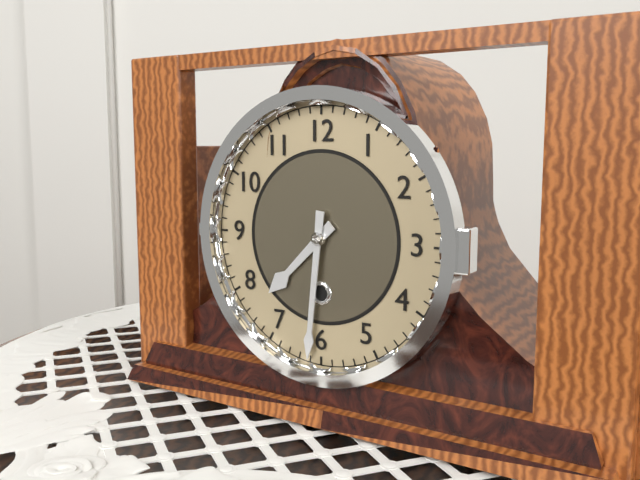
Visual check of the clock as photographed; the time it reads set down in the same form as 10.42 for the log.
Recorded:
7.31
